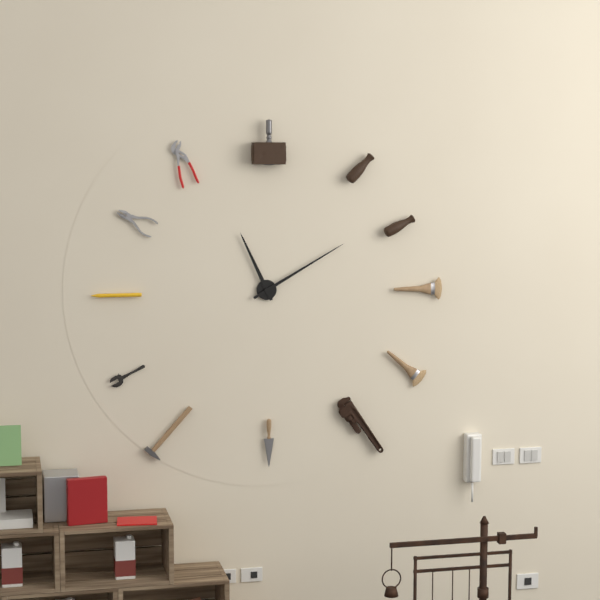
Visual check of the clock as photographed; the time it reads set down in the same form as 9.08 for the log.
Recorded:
11.10
